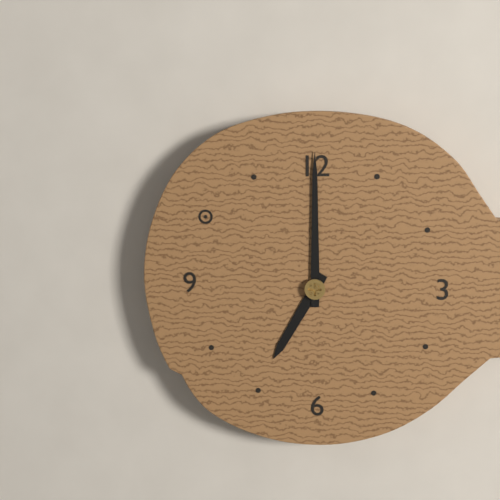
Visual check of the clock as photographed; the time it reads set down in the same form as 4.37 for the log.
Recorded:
7.00
